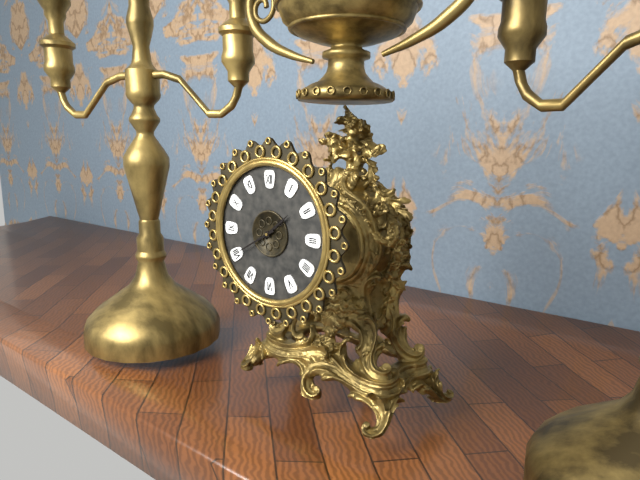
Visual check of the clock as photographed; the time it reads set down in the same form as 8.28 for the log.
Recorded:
1.40
